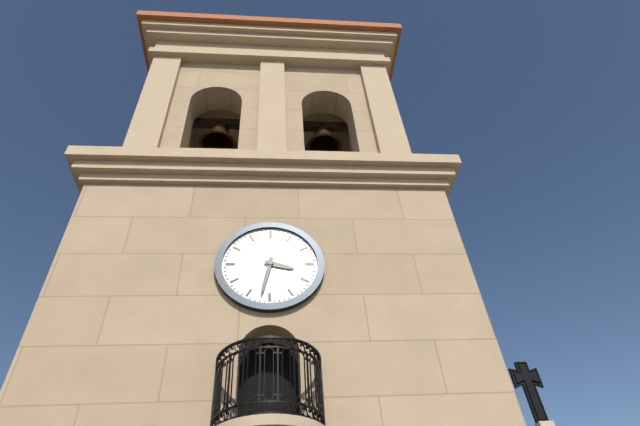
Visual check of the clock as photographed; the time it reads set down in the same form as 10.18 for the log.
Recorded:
3.32
